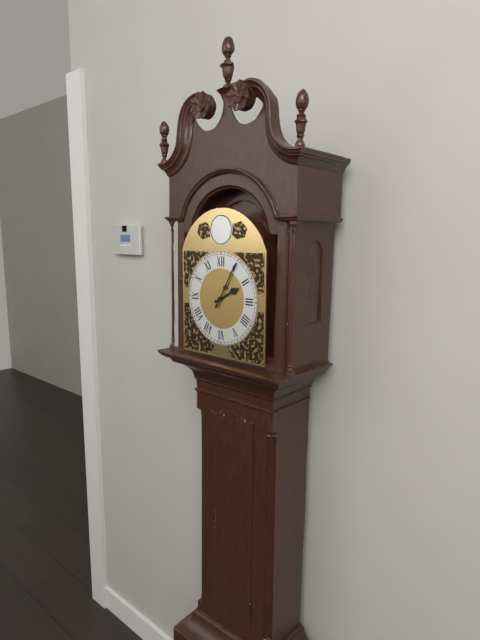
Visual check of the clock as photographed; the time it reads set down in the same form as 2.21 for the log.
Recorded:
2.05
